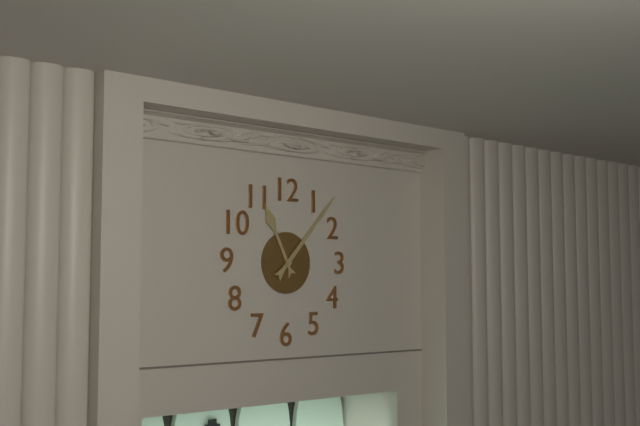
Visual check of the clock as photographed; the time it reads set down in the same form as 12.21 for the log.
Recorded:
11.07
